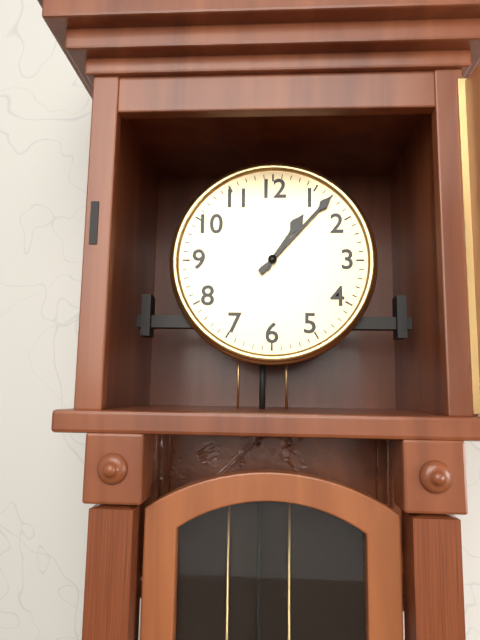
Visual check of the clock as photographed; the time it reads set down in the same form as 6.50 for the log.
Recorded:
1.07
